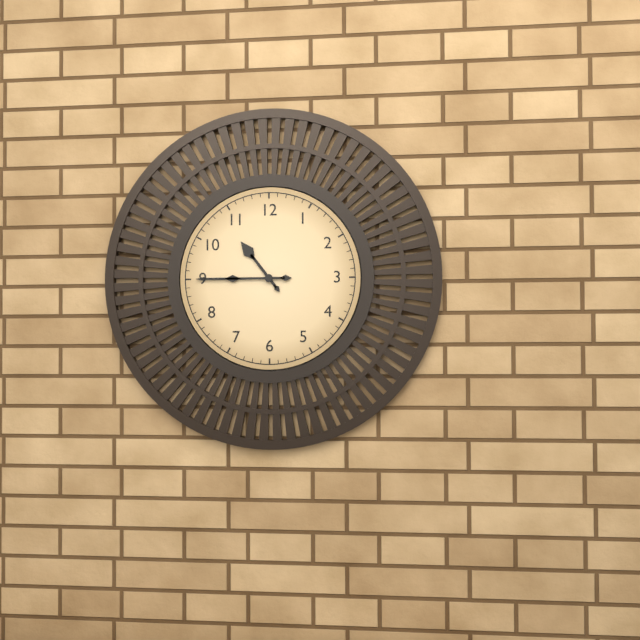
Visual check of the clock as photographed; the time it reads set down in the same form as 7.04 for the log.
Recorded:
10.45
